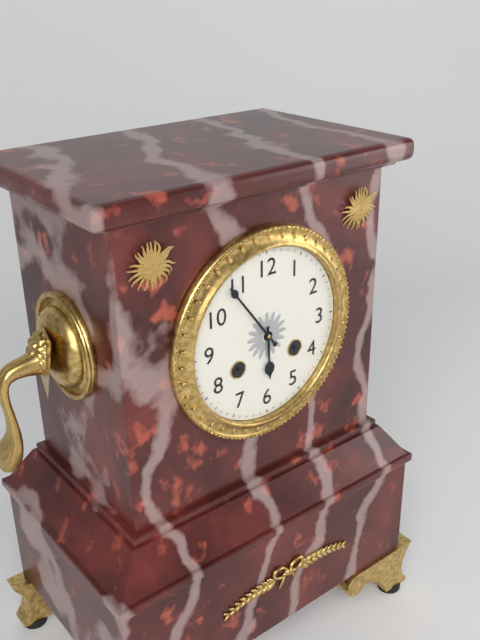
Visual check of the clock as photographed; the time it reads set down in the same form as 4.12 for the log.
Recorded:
5.54
